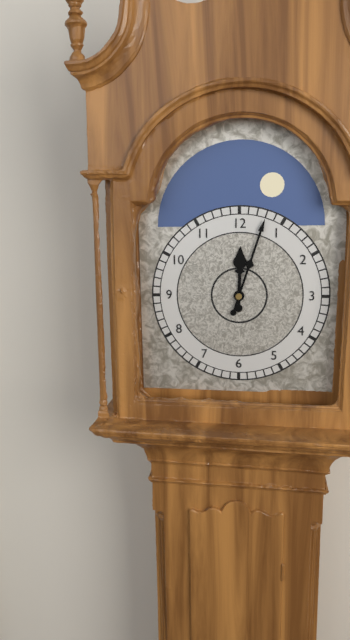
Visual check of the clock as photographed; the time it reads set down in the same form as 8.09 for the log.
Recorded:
12.03
